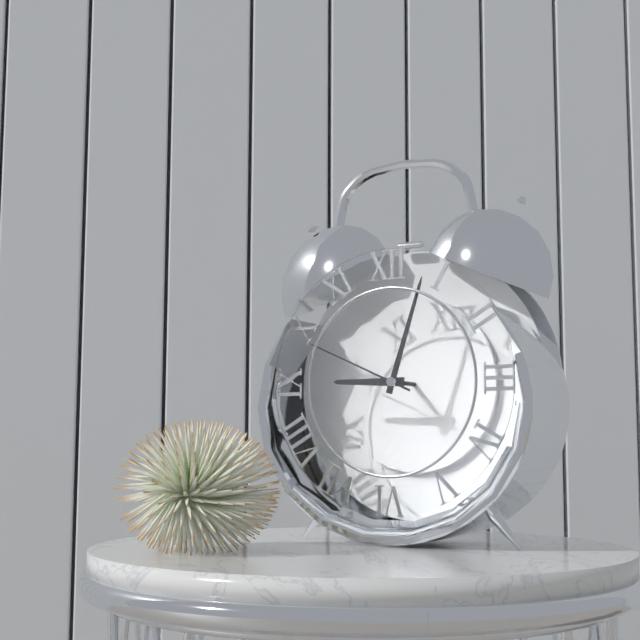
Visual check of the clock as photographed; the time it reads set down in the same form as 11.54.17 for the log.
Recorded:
9.03.49
